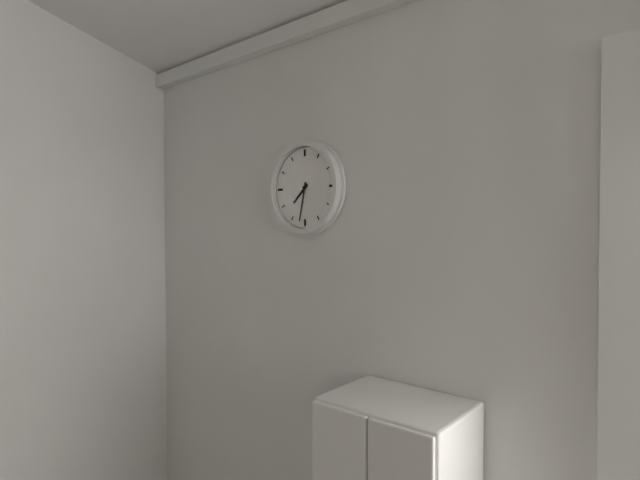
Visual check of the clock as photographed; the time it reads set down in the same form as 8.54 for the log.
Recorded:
7.32
